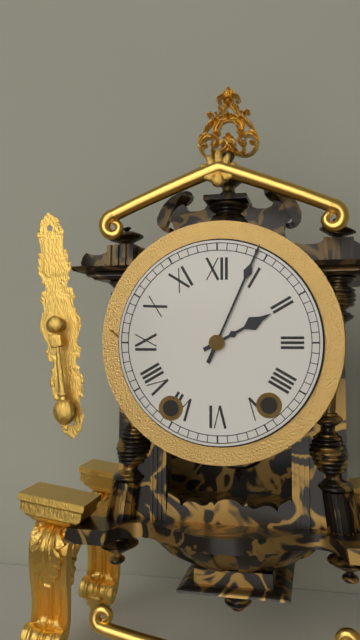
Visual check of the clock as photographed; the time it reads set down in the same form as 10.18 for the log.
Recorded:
2.04
